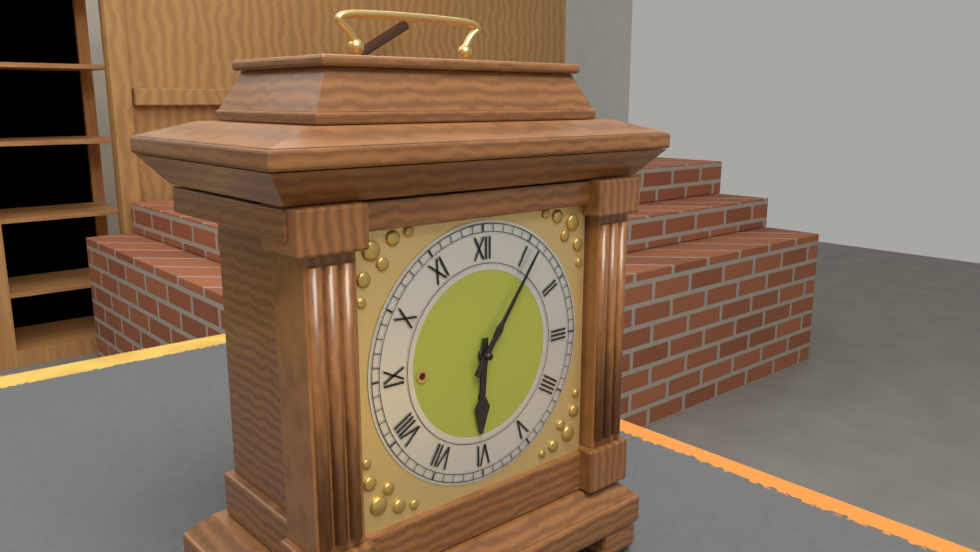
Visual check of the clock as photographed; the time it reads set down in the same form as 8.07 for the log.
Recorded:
6.06
